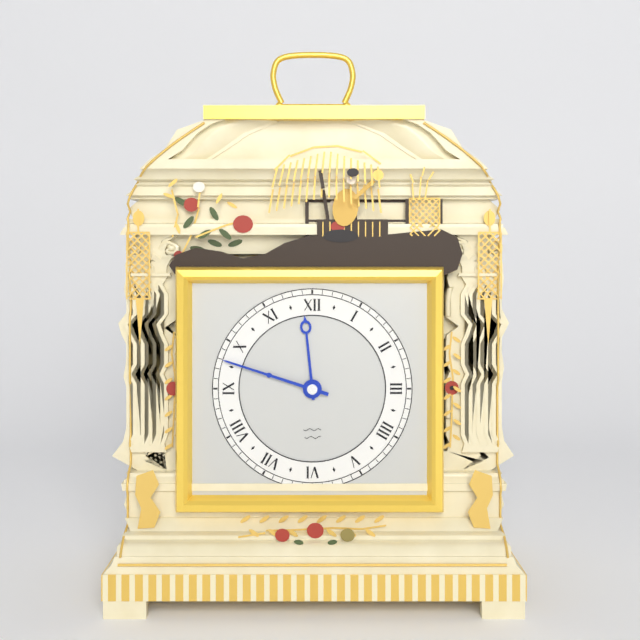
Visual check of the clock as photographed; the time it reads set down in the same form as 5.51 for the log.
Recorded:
11.48
